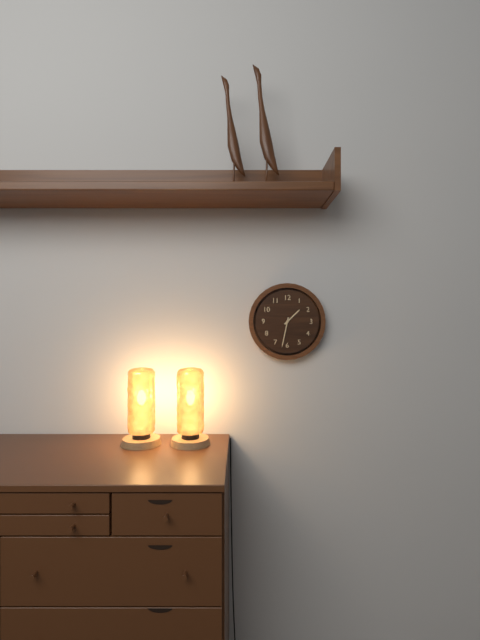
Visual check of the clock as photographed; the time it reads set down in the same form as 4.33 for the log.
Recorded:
1.32
